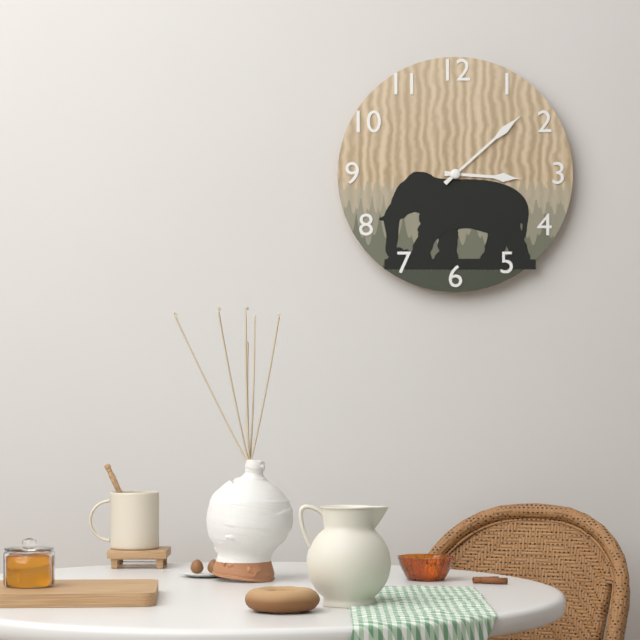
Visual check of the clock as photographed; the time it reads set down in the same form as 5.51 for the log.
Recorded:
3.08
